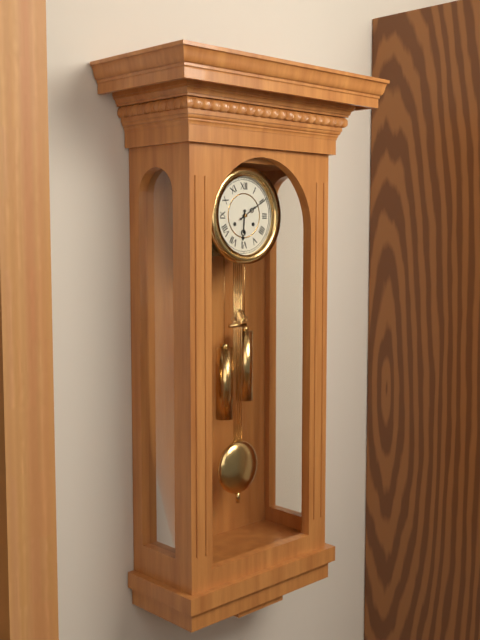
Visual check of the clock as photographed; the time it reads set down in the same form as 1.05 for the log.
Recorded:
6.10
